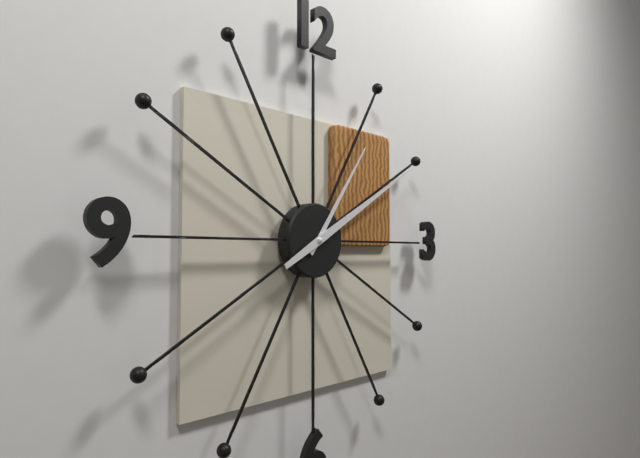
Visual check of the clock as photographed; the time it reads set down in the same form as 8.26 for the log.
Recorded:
1.10
